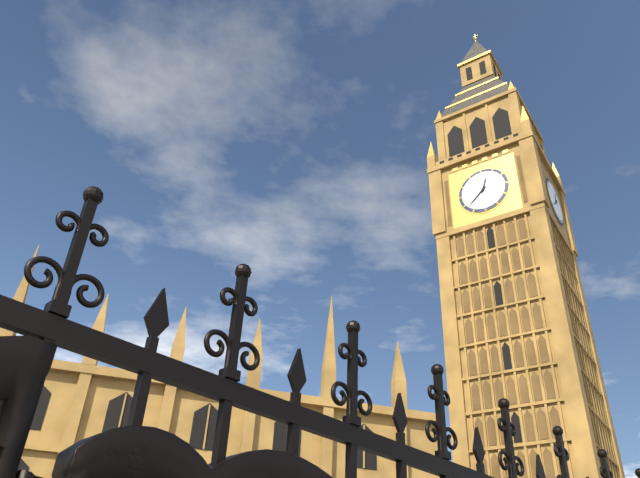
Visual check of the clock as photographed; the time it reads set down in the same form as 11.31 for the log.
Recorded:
12.38
